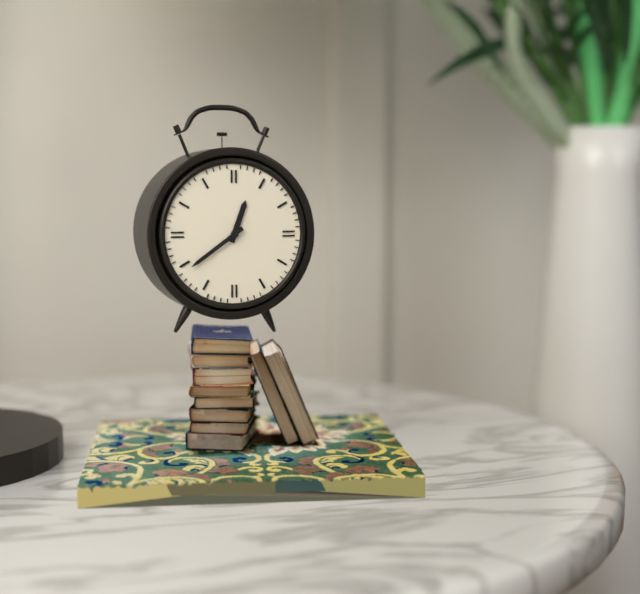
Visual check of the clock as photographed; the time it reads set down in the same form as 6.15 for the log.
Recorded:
12.39
